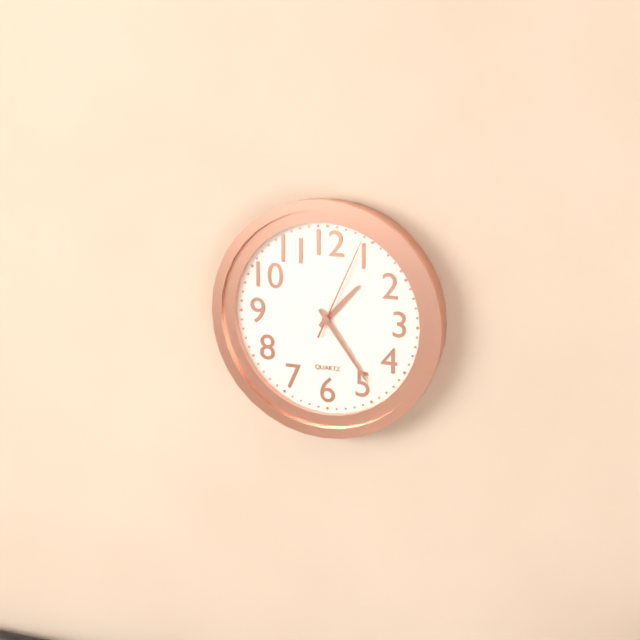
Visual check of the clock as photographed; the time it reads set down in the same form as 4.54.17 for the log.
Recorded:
1.24.04
